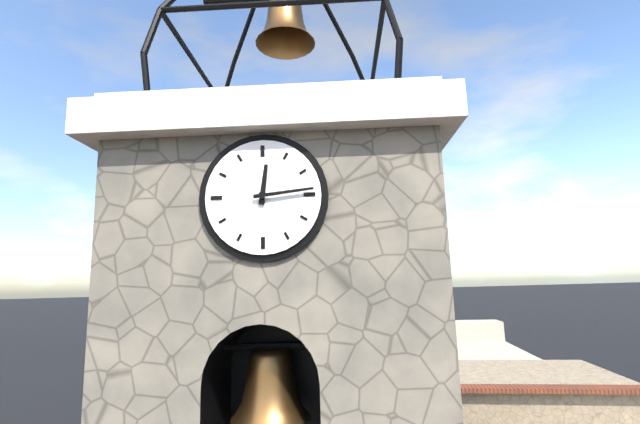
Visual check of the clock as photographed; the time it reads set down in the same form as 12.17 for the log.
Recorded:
12.14
